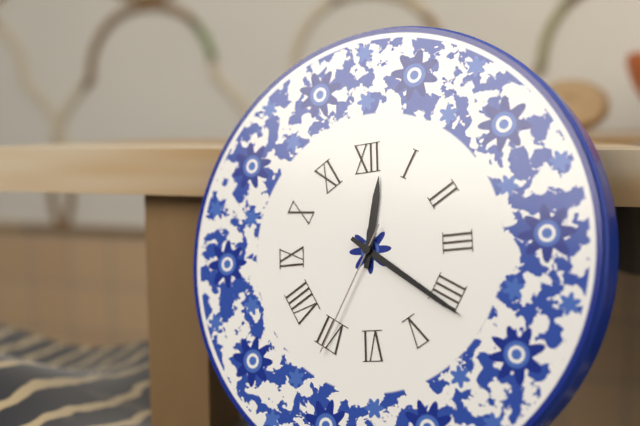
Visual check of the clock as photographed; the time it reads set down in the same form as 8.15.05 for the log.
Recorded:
12.21.35
